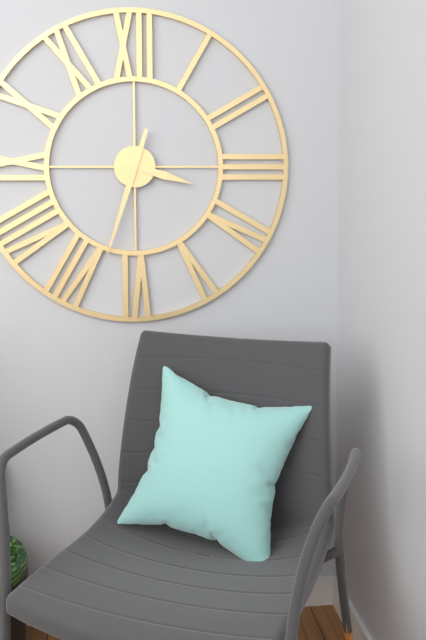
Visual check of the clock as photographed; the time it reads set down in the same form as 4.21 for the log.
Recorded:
3.33
